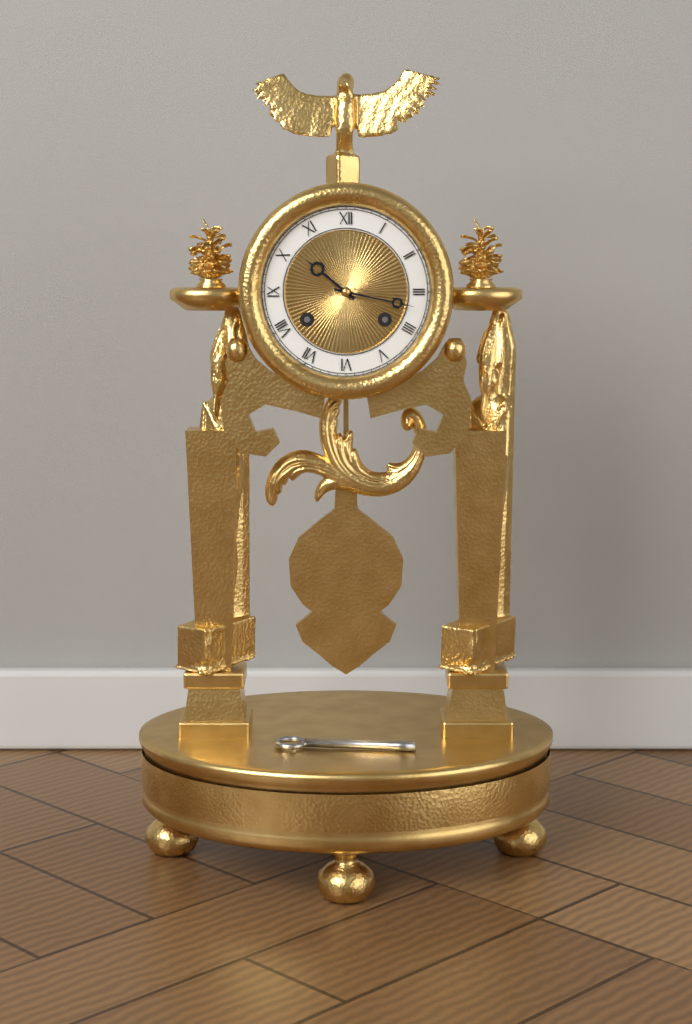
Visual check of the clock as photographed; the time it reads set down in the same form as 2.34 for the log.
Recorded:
10.17
